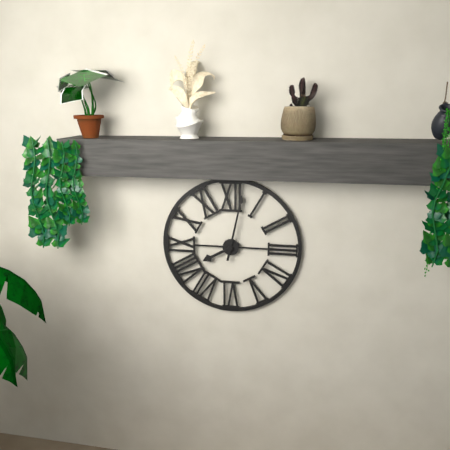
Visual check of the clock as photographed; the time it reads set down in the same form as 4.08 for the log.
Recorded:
8.02
